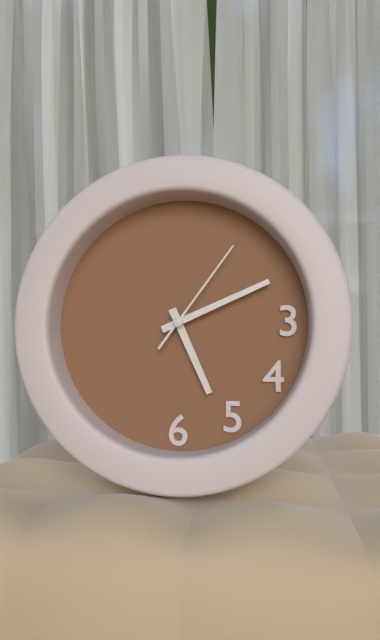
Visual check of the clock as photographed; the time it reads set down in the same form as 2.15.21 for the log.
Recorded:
5.11.06
